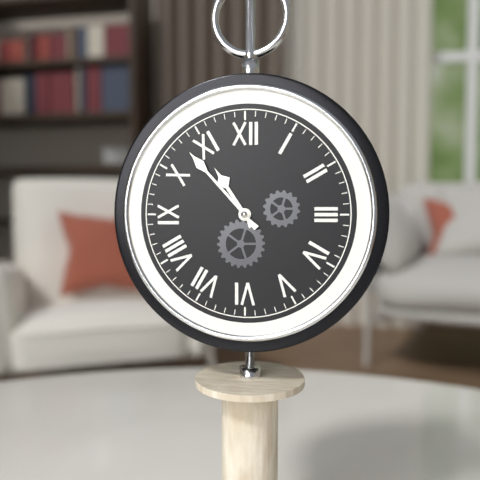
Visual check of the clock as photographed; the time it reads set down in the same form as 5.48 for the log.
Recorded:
10.53
